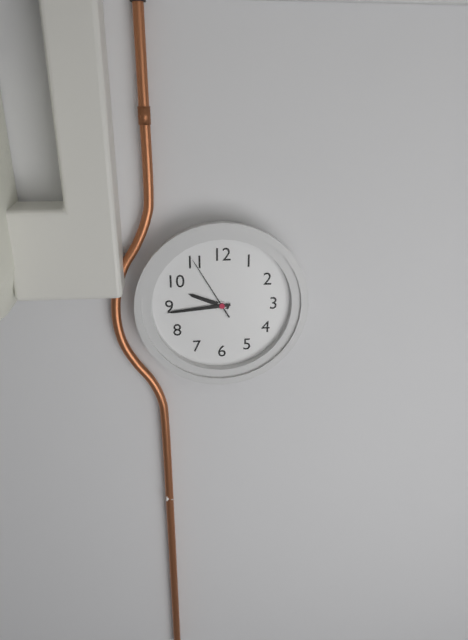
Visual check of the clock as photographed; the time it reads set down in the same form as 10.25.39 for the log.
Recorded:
9.44.55
